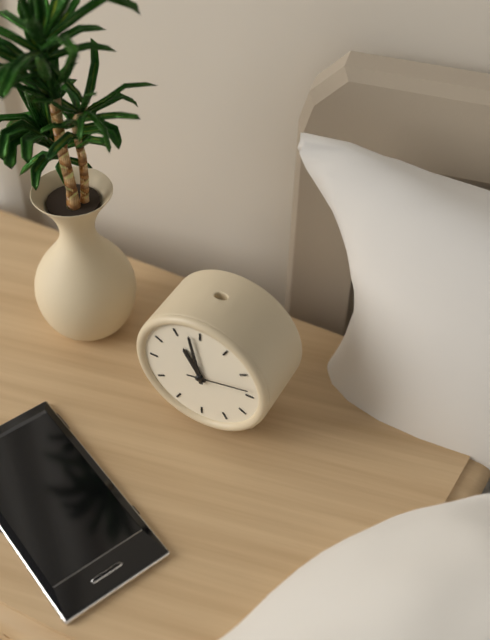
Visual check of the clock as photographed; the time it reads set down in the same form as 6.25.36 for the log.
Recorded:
10.58.13
